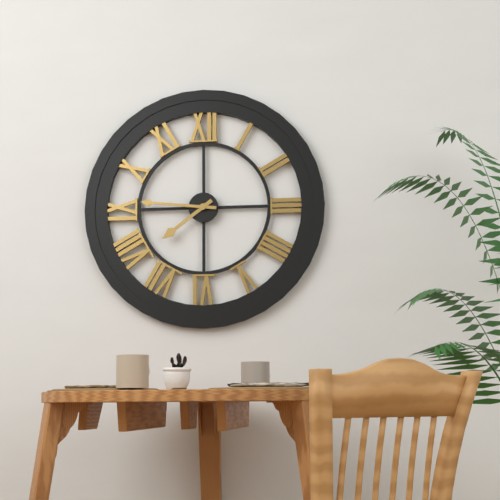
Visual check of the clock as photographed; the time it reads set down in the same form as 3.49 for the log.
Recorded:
7.46
